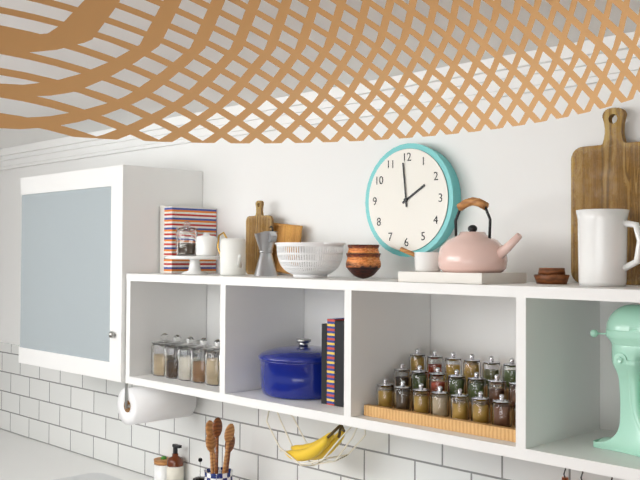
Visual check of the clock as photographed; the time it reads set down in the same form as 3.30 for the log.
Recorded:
1.59
